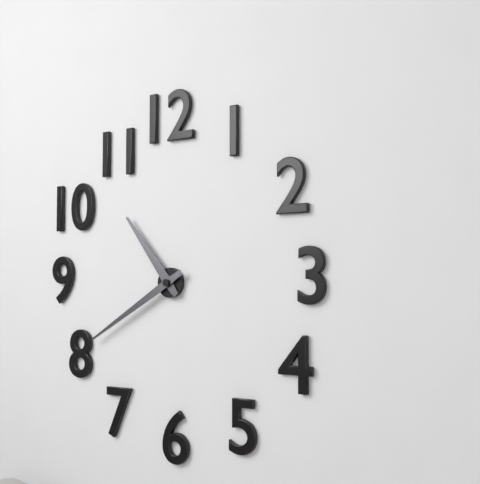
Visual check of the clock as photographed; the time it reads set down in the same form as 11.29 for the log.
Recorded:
10.40
